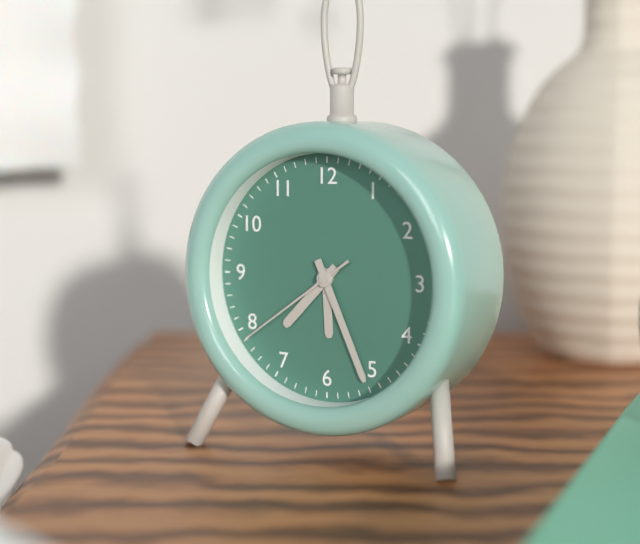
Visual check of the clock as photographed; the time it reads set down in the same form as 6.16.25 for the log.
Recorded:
7.26.39
